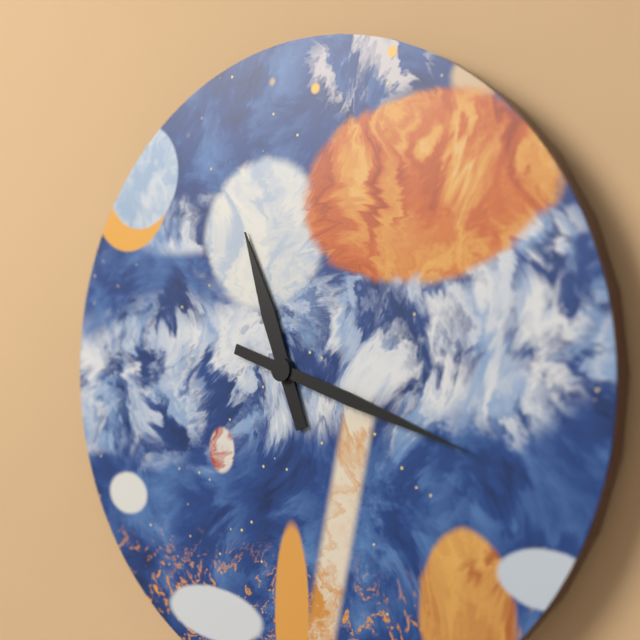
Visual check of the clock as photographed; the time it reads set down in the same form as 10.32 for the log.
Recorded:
11.18
